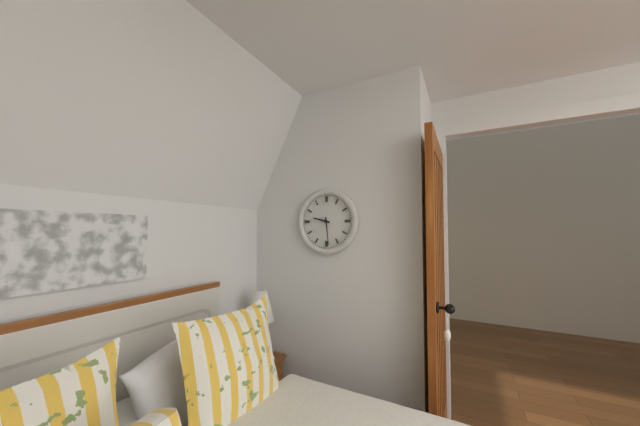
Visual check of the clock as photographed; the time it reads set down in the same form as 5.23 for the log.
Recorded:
9.29
